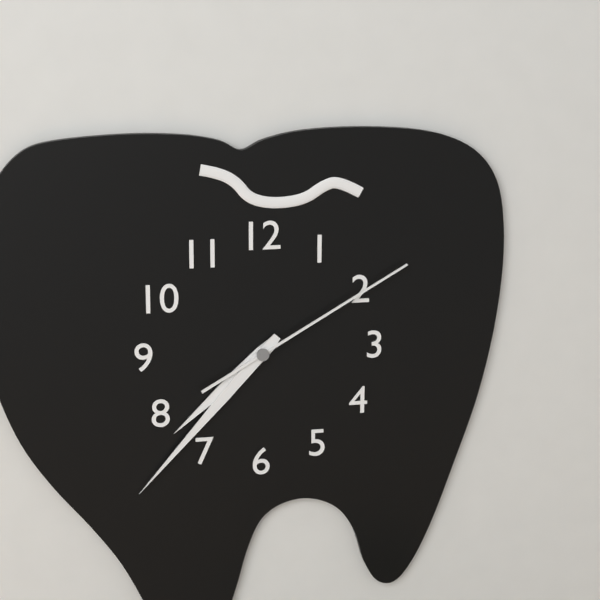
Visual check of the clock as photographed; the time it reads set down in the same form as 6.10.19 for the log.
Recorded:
7.37.10
